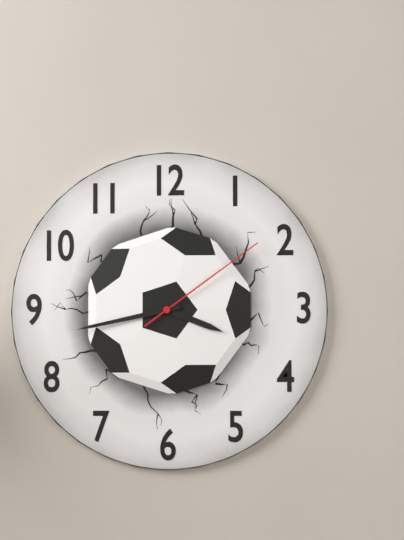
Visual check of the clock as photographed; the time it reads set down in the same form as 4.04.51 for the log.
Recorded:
3.43.09
